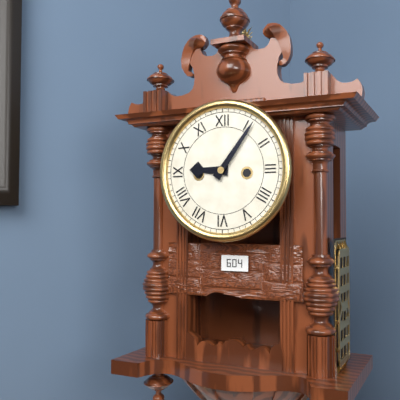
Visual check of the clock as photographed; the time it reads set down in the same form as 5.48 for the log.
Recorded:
9.06
